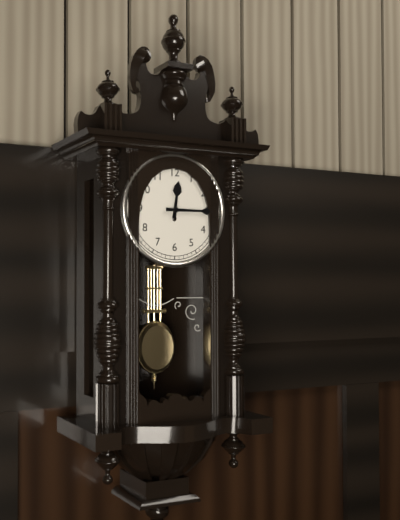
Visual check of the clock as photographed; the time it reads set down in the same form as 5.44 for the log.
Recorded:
12.15
